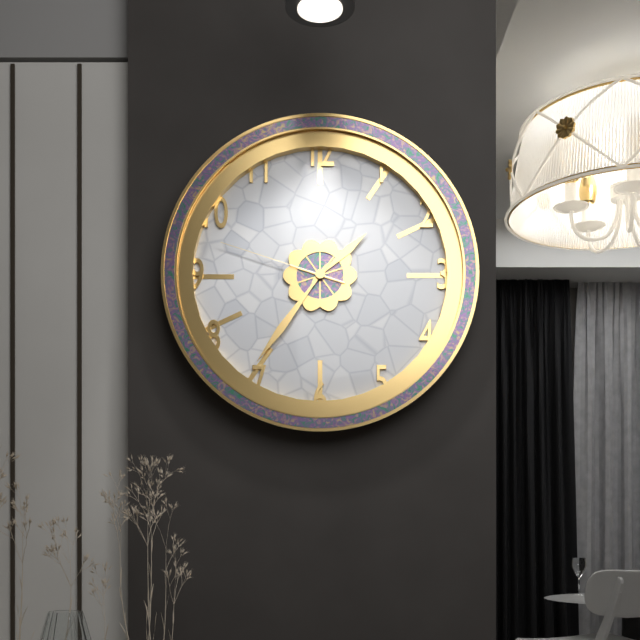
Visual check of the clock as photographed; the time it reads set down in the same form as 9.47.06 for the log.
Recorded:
1.36.48
